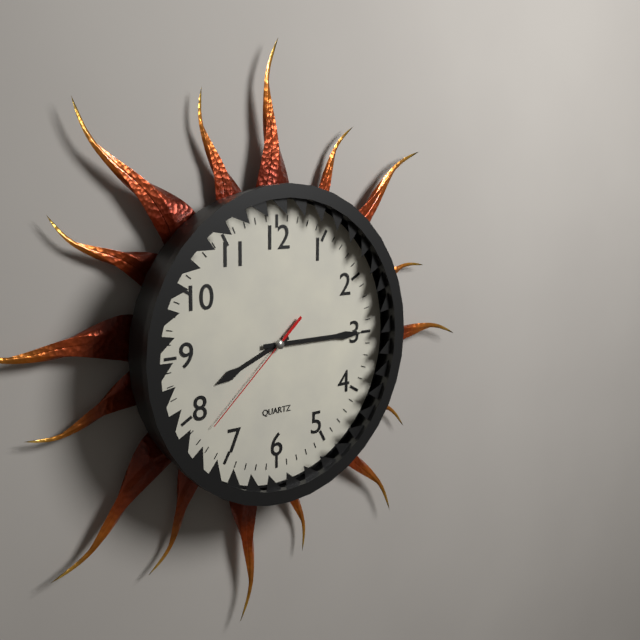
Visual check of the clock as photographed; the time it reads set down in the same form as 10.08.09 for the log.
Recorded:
8.15.38
